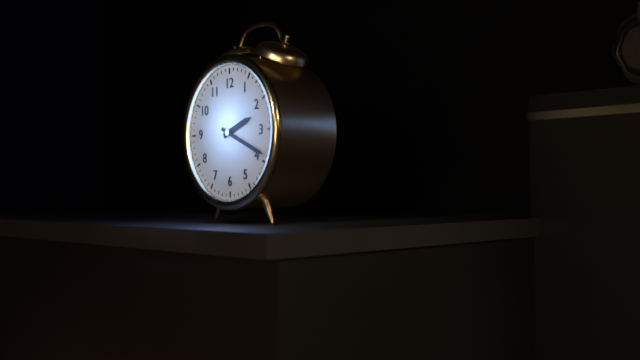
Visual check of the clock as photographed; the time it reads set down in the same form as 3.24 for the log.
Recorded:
2.19
